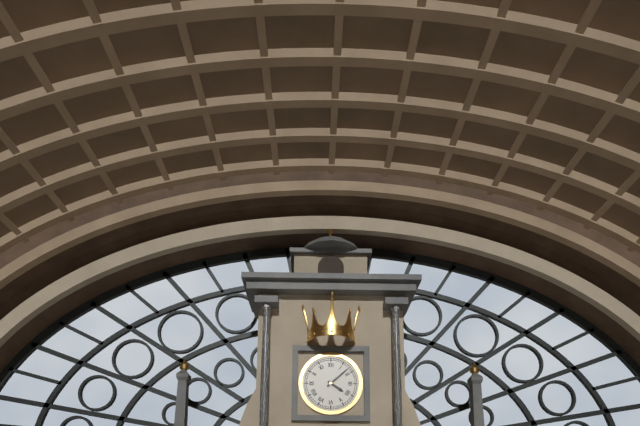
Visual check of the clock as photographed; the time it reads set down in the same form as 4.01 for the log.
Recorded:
4.08
